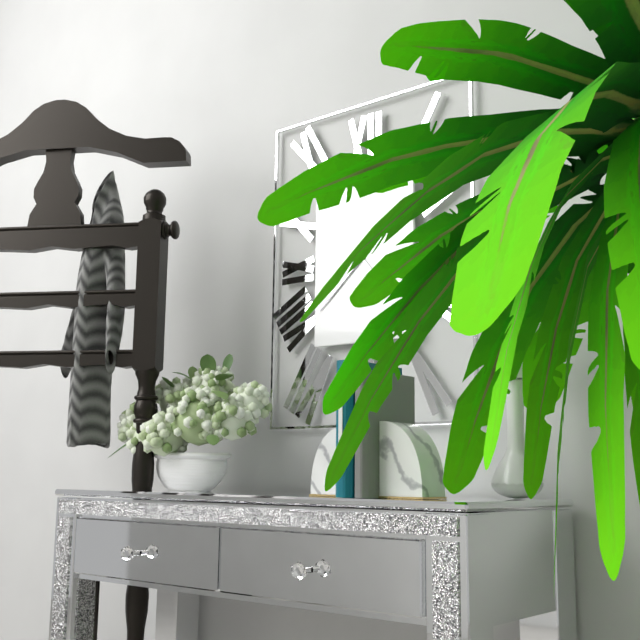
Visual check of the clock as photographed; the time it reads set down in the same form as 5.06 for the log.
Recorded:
4.38
